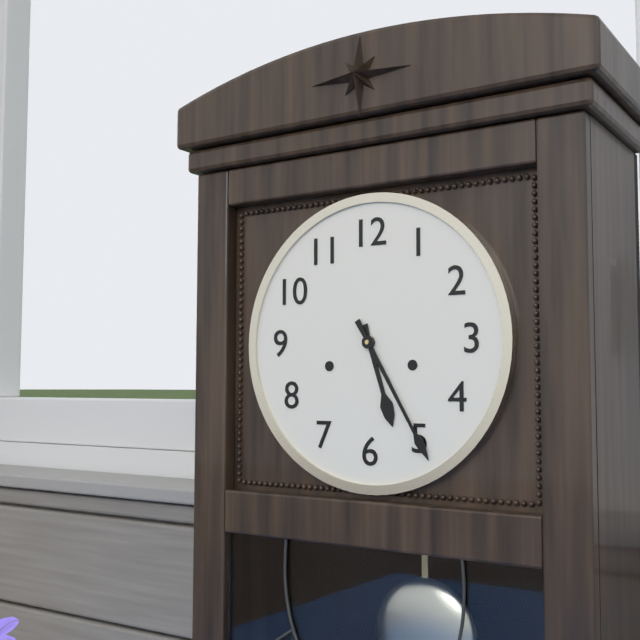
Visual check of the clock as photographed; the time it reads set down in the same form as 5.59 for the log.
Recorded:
5.25
